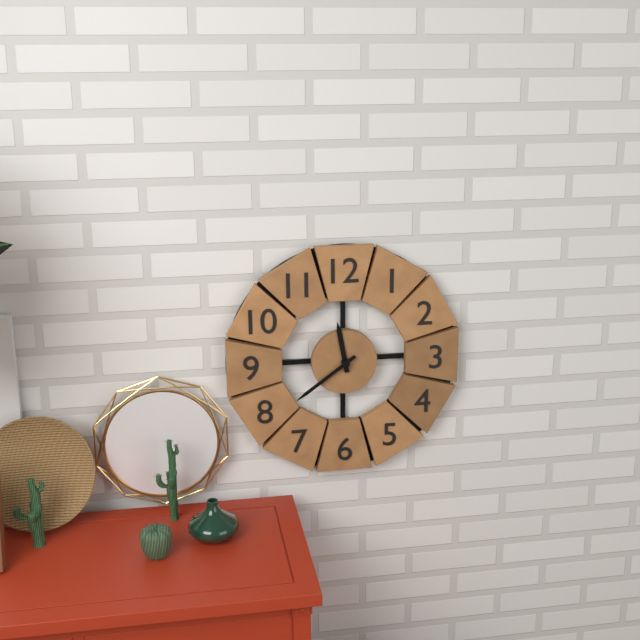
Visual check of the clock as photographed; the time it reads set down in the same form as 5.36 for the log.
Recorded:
11.39
